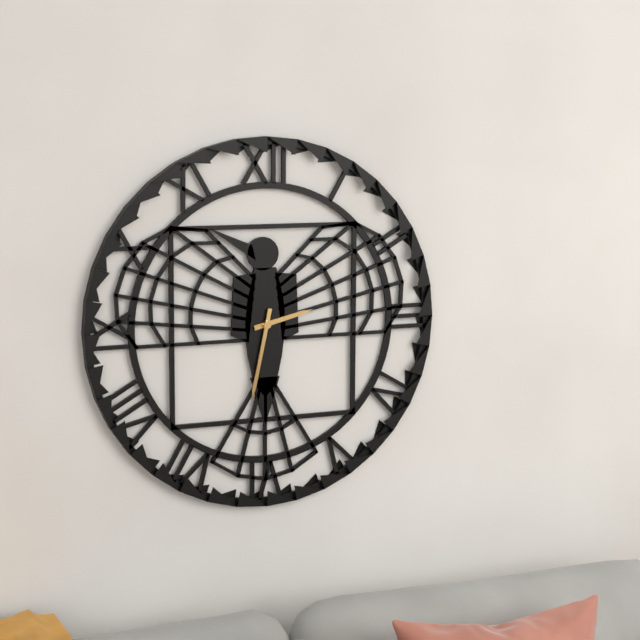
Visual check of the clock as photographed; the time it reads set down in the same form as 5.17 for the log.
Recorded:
2.32
